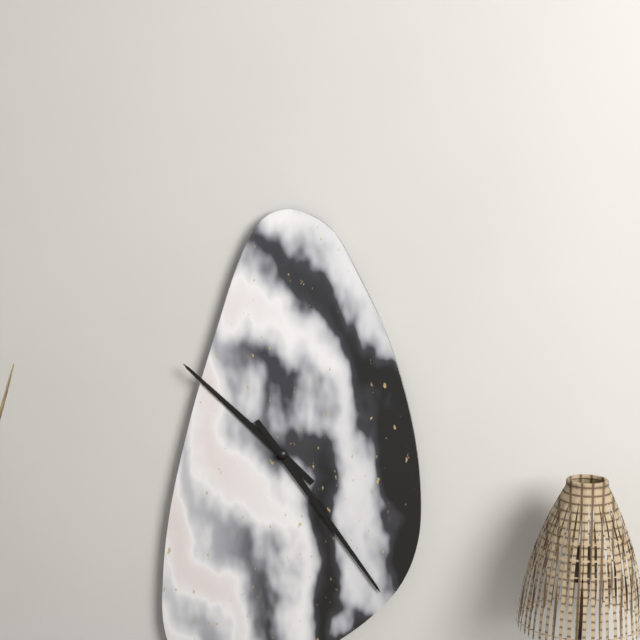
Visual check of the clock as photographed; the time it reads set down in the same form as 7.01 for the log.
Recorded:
10.24
